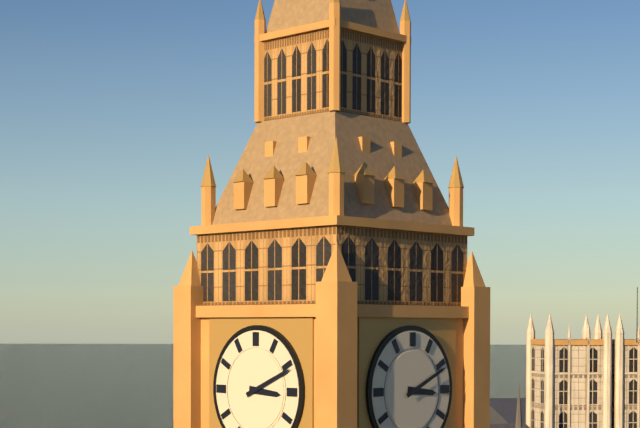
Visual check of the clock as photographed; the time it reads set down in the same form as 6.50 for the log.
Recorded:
3.11
